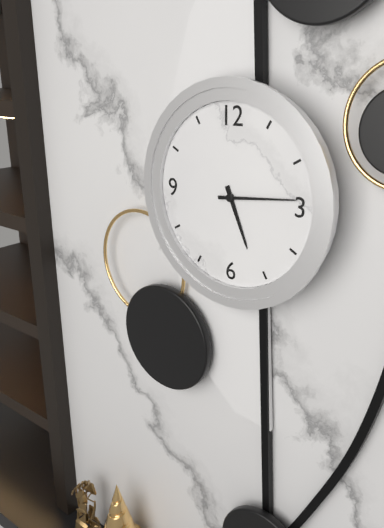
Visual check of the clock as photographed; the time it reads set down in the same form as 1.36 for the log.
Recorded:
5.14
